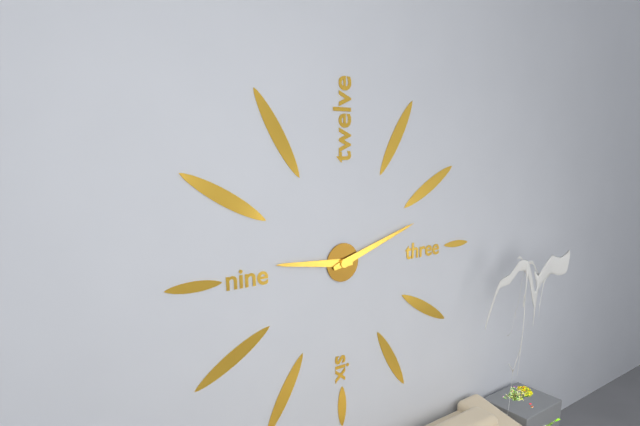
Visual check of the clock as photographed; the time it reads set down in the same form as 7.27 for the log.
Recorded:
9.12
